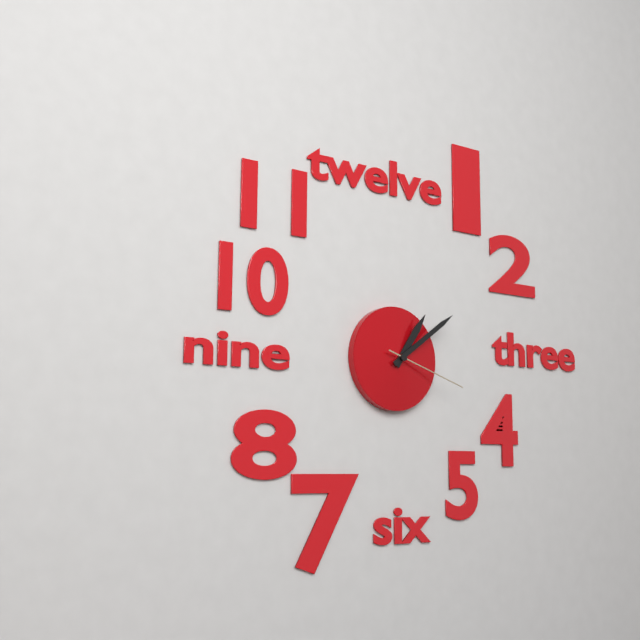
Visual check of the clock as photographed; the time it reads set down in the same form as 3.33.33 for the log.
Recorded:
1.09.18
